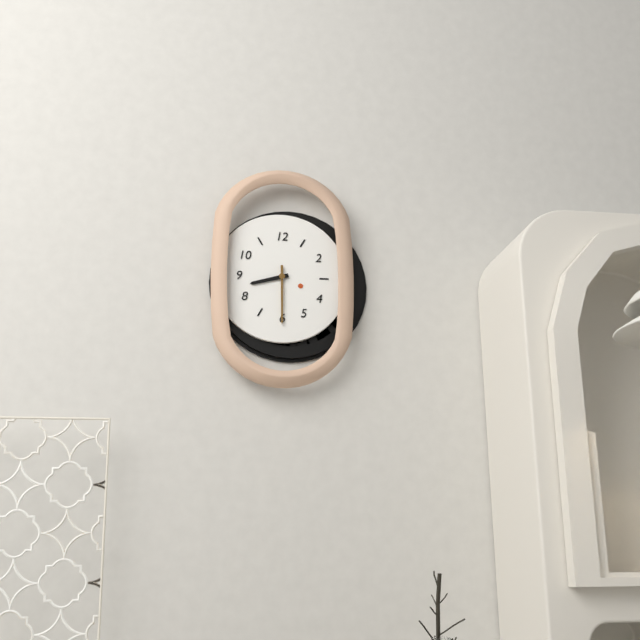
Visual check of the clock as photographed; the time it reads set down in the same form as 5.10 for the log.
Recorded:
8.30
